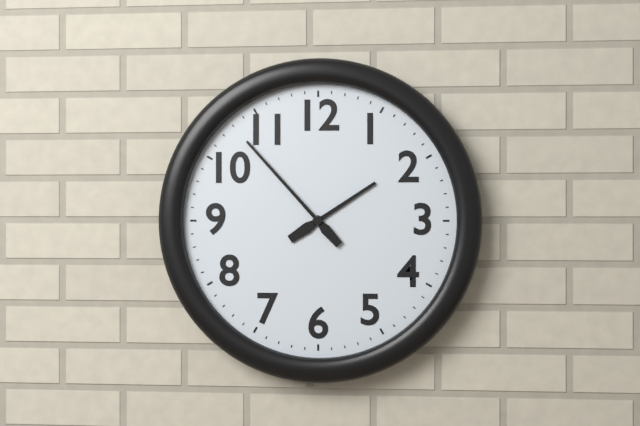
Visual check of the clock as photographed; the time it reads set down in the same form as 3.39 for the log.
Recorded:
1.53
